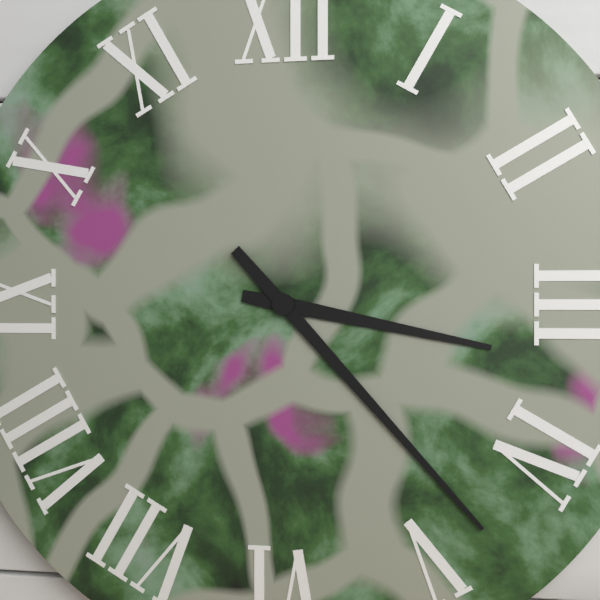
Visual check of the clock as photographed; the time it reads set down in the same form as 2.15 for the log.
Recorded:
3.23
